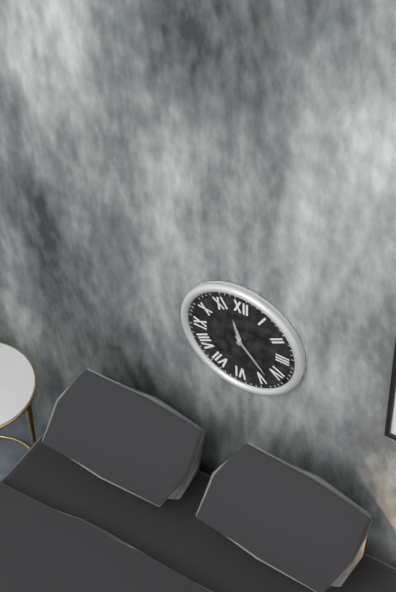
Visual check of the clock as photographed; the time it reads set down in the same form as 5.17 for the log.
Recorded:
11.23
